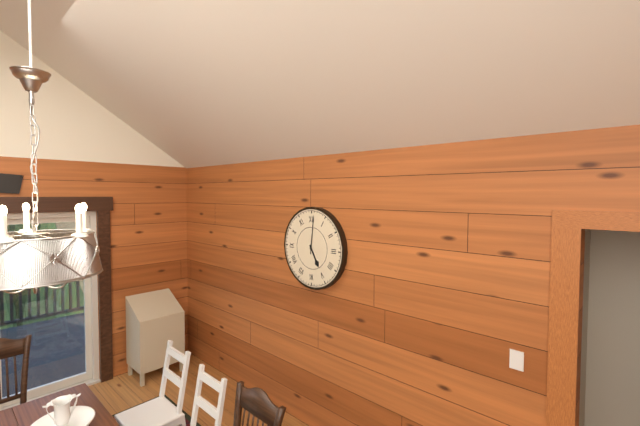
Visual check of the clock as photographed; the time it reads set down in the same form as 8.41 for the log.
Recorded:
5.01
